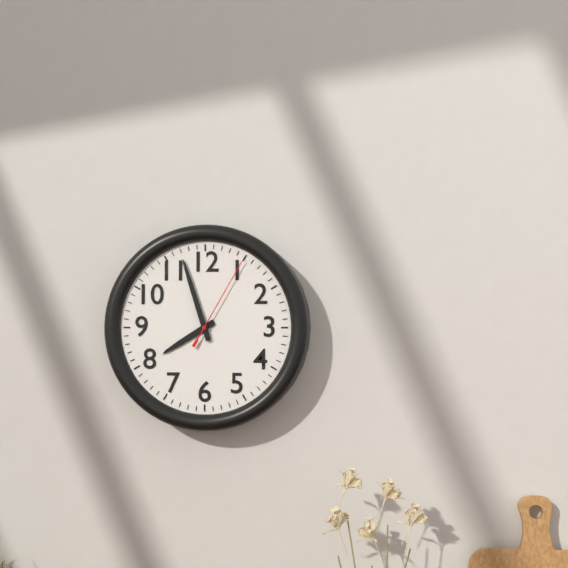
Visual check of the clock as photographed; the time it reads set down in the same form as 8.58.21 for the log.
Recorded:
7.57.05
